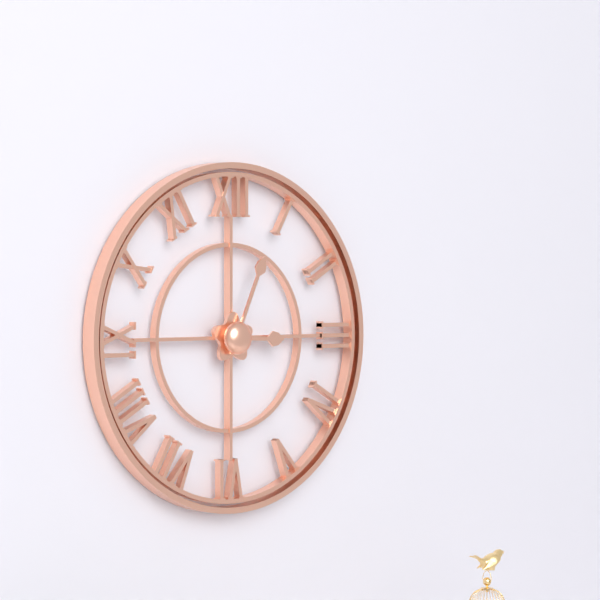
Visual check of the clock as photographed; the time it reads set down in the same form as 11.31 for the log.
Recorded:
3.04
